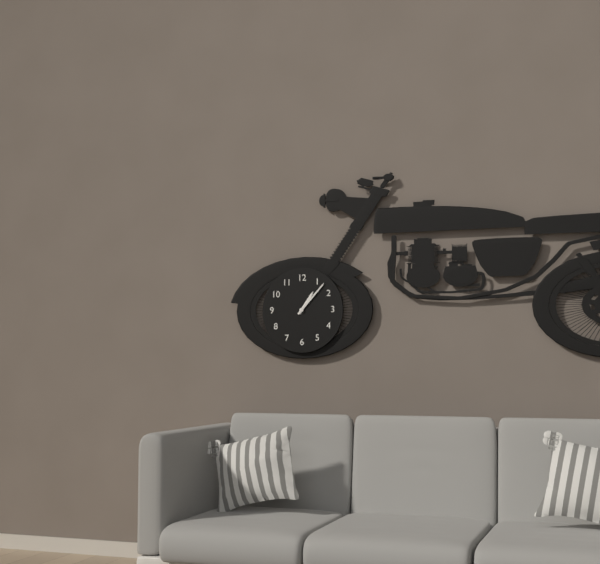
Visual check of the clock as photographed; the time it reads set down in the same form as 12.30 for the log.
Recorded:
1.07
